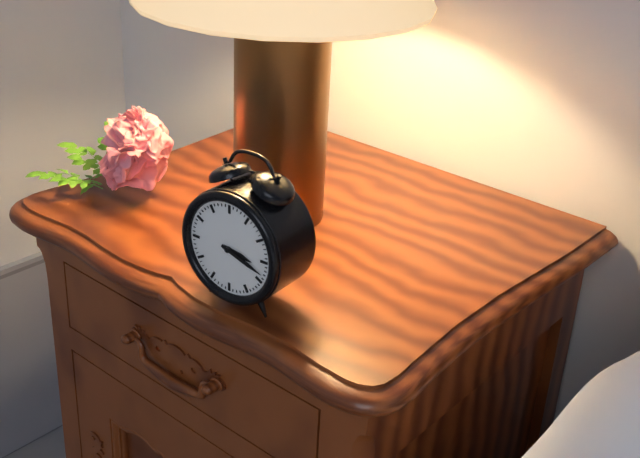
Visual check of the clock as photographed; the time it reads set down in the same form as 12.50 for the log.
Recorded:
3.18
